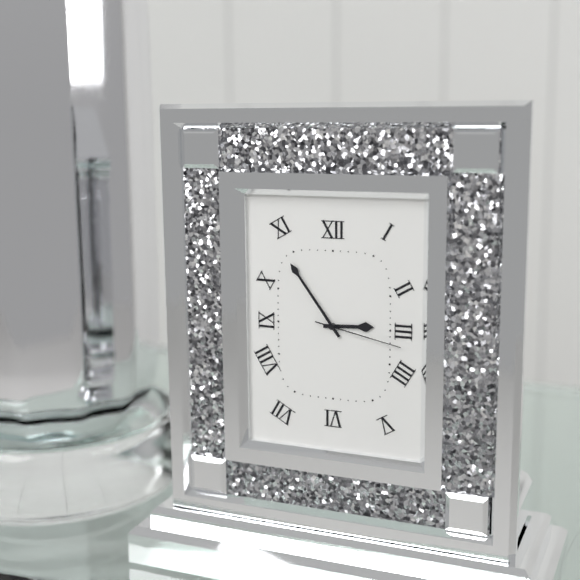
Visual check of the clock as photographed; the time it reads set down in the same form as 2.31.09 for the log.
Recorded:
2.54.17
